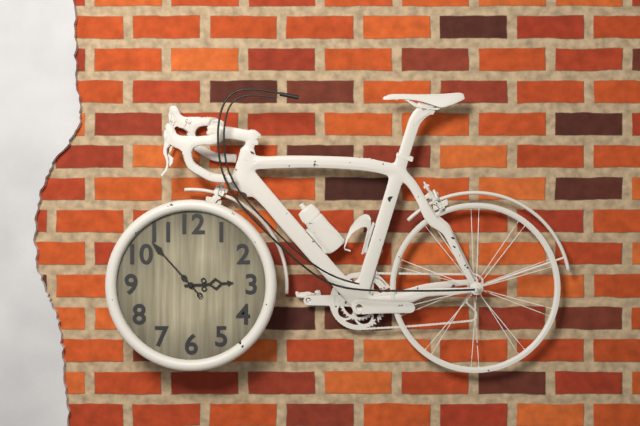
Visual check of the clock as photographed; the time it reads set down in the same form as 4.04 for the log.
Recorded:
2.53
